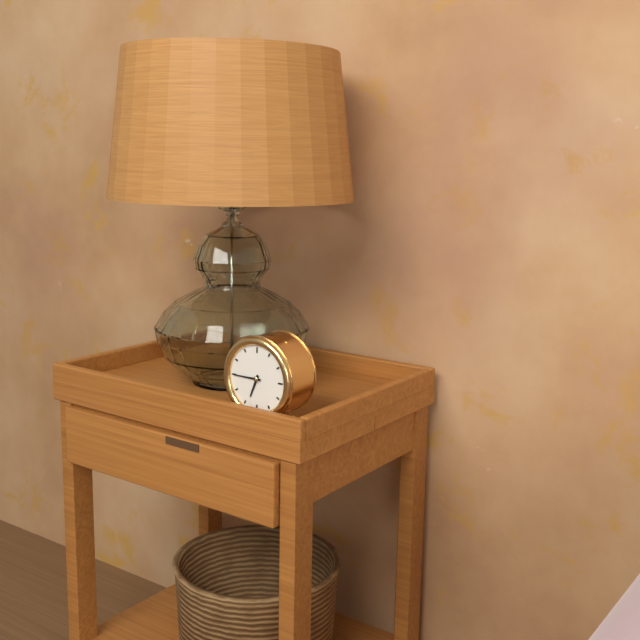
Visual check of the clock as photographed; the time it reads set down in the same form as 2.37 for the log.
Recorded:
6.45
